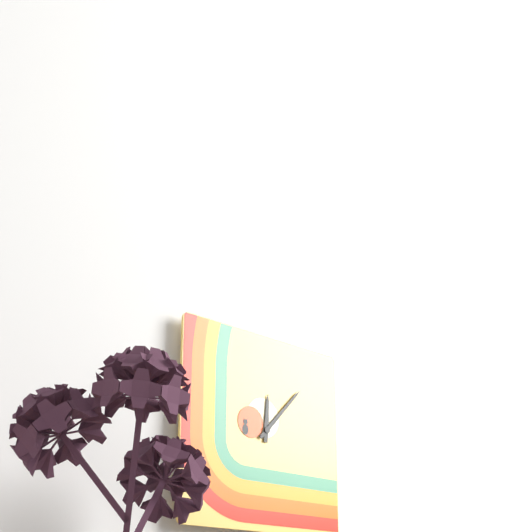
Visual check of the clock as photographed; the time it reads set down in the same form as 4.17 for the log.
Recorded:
12.07
